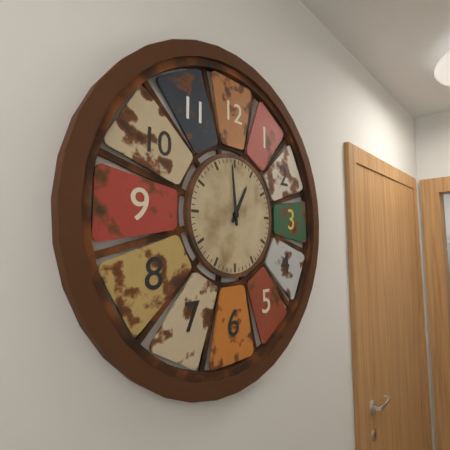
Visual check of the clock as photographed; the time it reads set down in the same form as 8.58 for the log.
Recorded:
12.59
